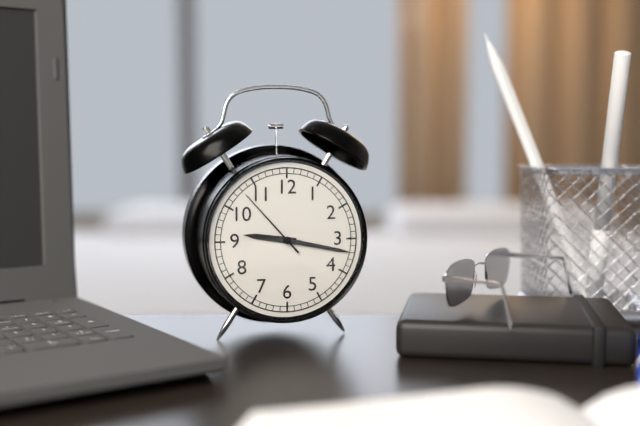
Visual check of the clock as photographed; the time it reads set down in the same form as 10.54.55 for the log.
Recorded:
9.17.53
